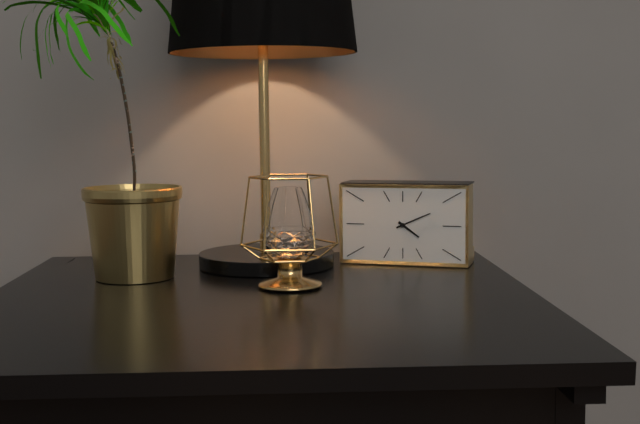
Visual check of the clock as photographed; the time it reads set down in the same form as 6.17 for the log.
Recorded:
4.11
